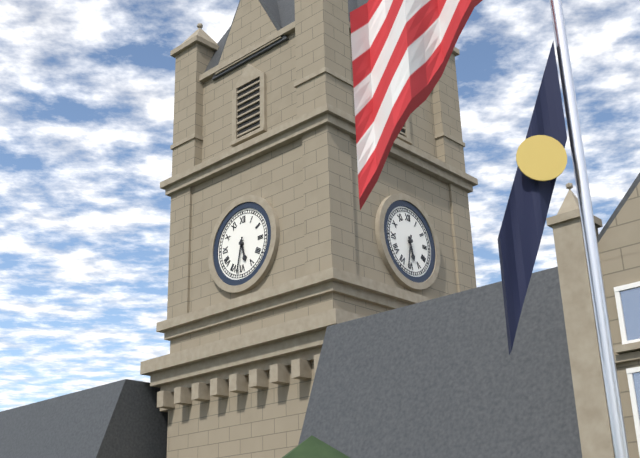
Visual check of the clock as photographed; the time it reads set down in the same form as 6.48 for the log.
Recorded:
5.32
